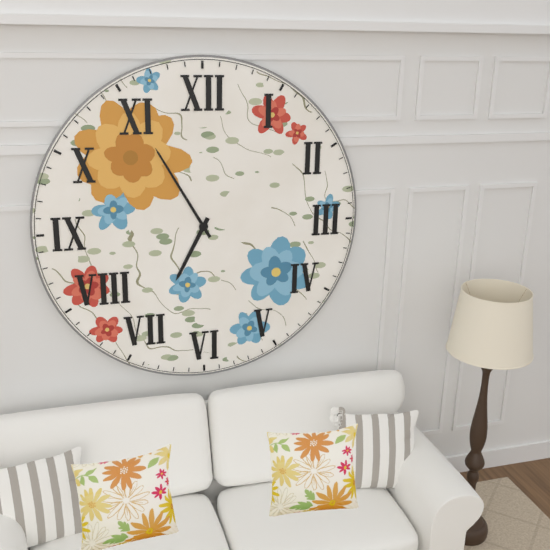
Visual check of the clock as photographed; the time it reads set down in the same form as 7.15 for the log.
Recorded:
6.55
